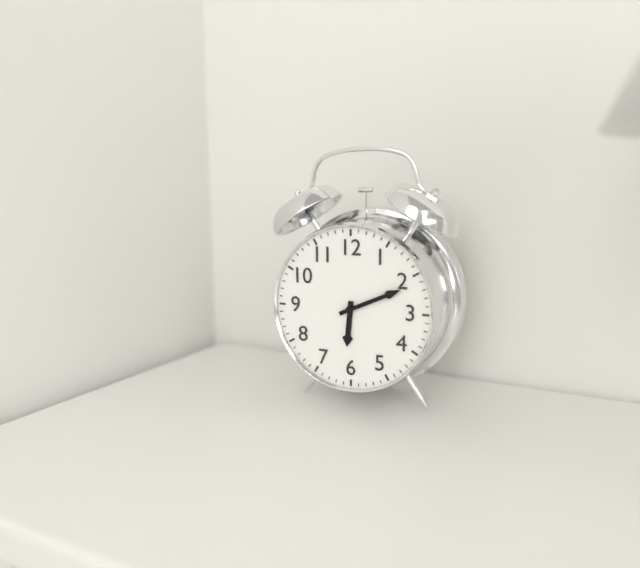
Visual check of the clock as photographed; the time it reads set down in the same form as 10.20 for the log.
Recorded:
6.11
